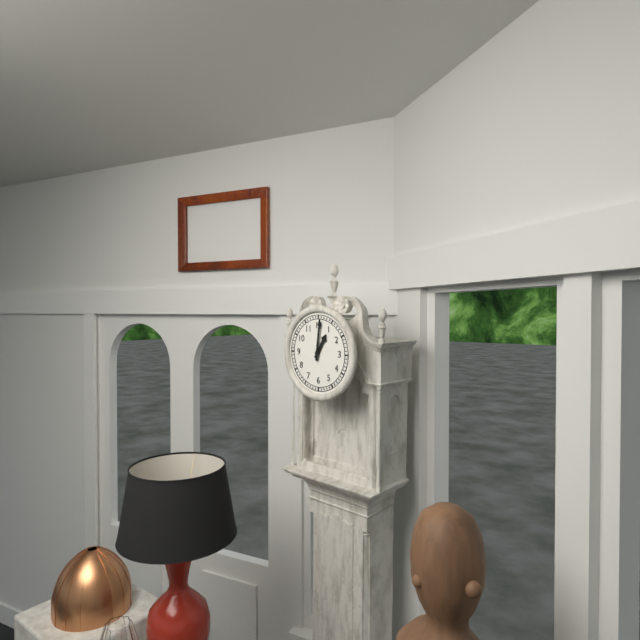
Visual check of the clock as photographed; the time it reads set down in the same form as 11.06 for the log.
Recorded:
1.01
